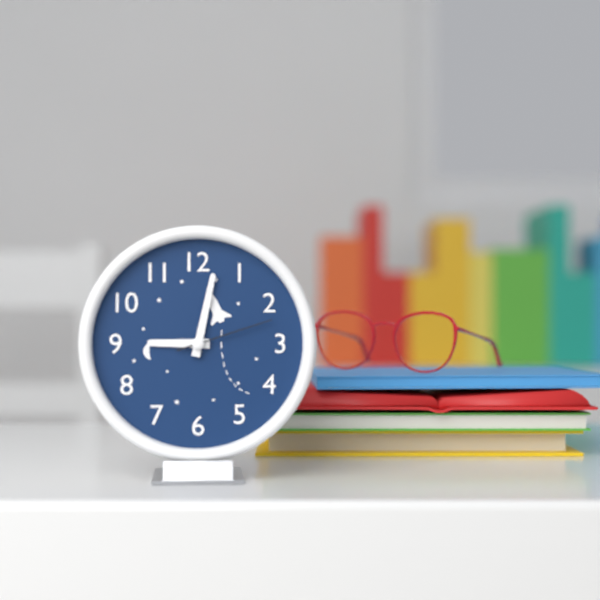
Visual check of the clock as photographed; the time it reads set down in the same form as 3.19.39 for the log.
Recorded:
9.02.12
